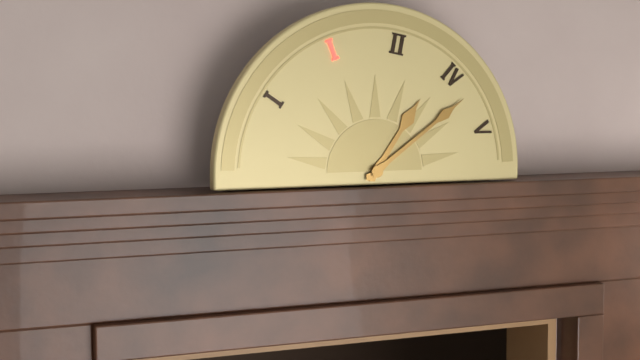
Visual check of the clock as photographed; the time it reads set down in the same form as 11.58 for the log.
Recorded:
1.09
